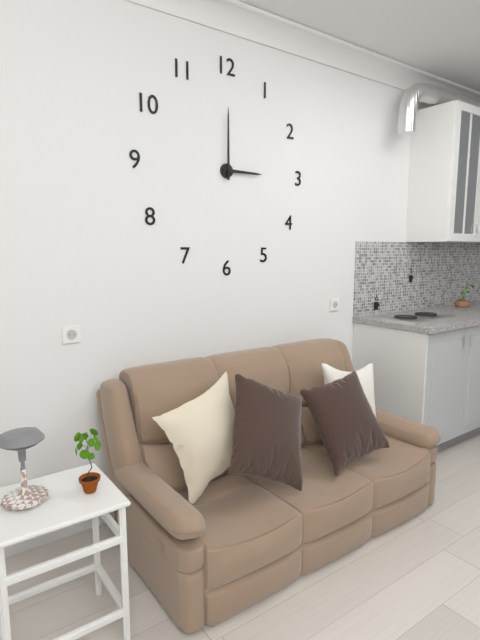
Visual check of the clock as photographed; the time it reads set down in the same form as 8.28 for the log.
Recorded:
3.00
